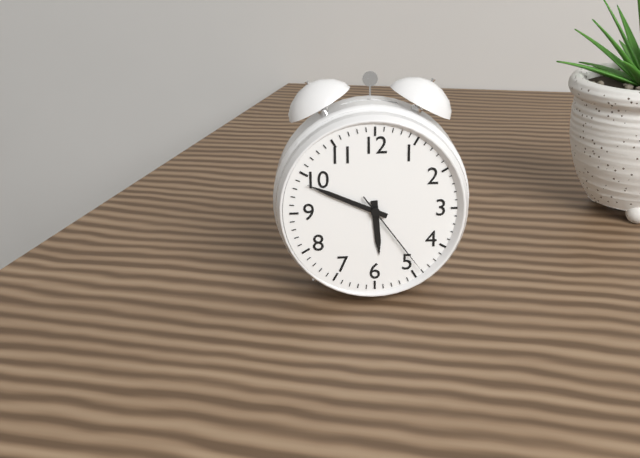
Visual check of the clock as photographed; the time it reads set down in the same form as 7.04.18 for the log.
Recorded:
5.49.24
